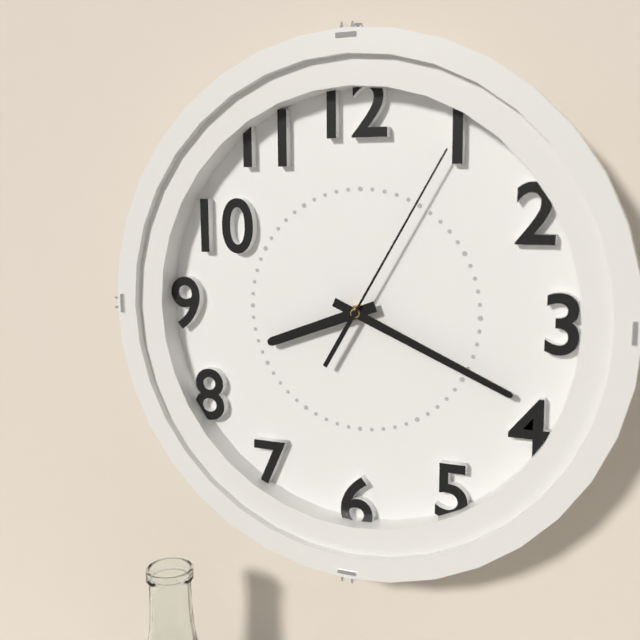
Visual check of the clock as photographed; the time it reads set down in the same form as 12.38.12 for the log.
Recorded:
8.19.05
